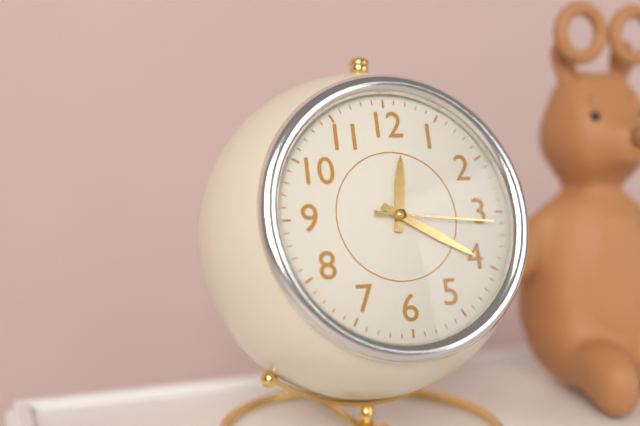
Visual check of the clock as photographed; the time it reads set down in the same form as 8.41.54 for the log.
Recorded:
12.20.16
